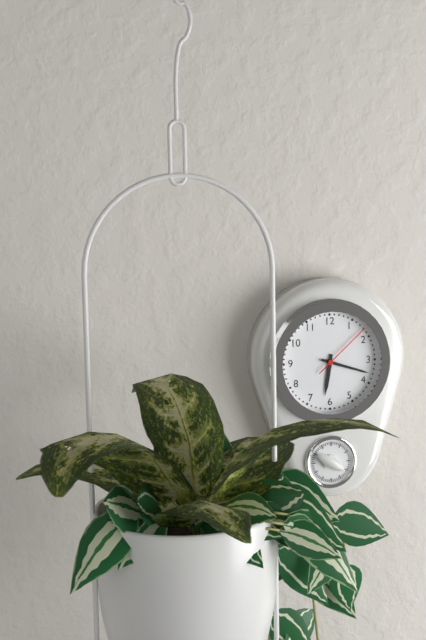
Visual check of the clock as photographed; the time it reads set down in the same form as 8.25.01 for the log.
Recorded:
6.18.08
